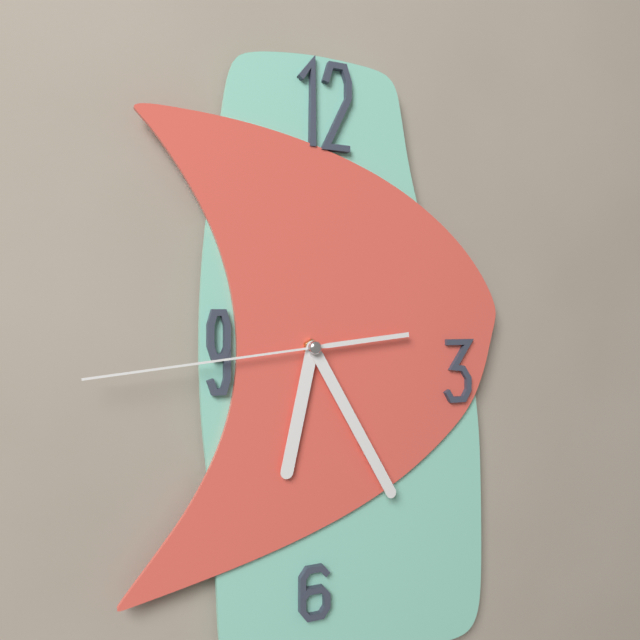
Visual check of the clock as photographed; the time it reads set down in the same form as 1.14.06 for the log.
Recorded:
6.25.44
